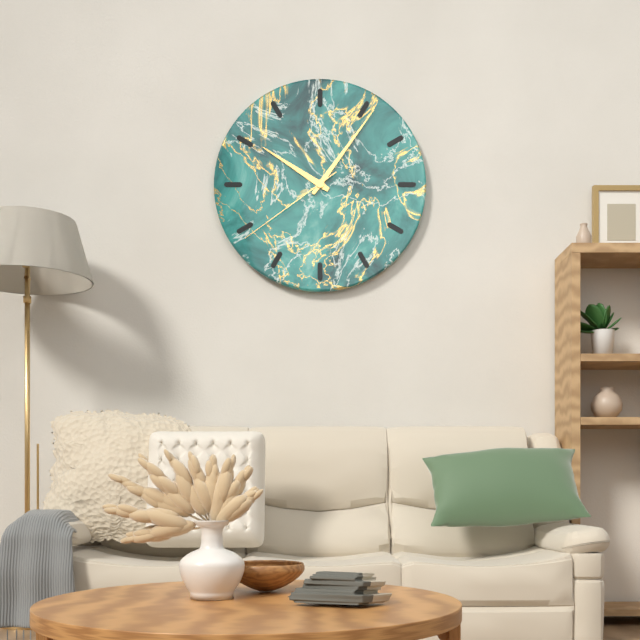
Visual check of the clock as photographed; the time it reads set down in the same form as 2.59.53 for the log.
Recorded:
10.06.39
